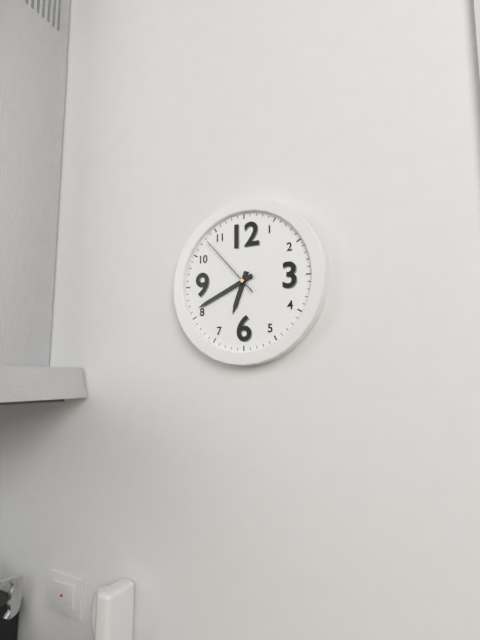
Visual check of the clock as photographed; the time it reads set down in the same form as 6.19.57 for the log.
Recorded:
6.41.53
